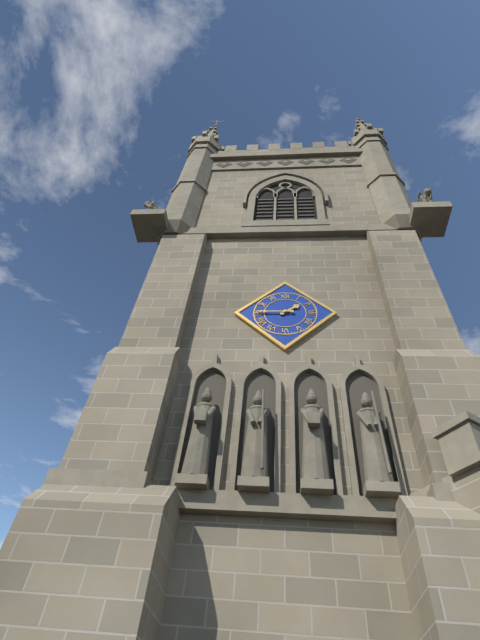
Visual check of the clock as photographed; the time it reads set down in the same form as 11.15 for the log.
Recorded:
1.45
